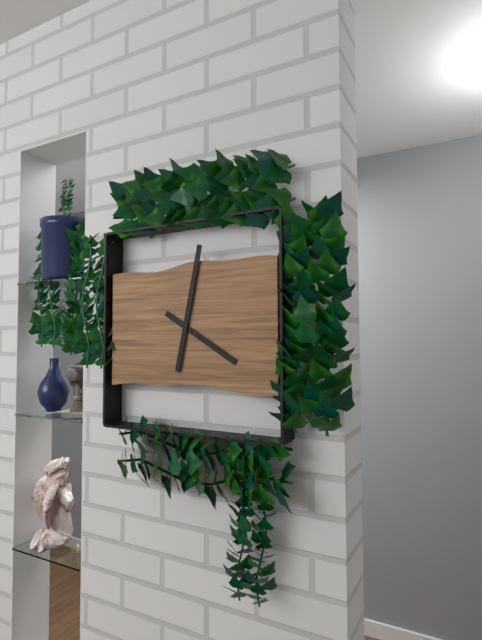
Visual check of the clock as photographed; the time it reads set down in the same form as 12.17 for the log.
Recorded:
4.02
